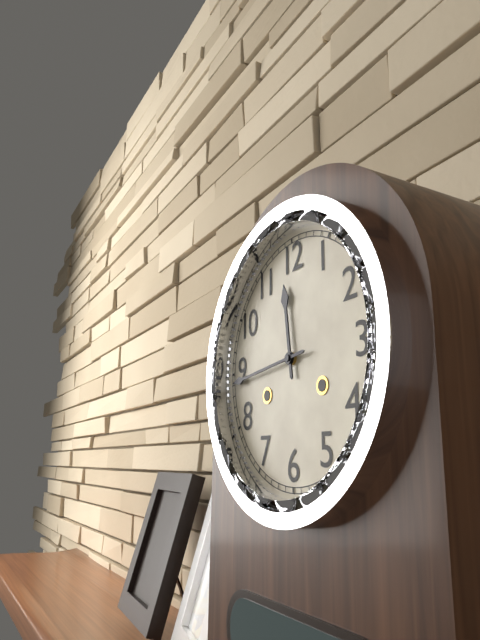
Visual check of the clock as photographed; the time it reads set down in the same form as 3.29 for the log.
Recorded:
11.44
